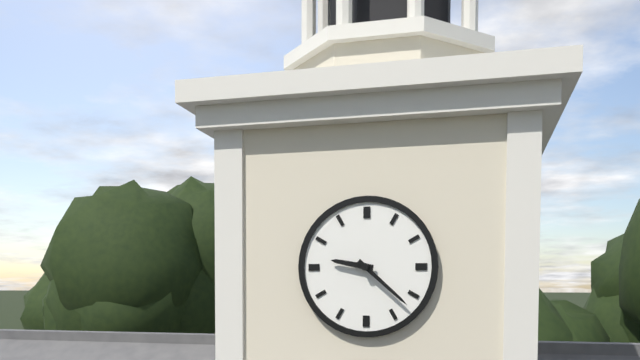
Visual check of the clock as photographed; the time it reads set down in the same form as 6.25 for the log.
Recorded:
9.22
